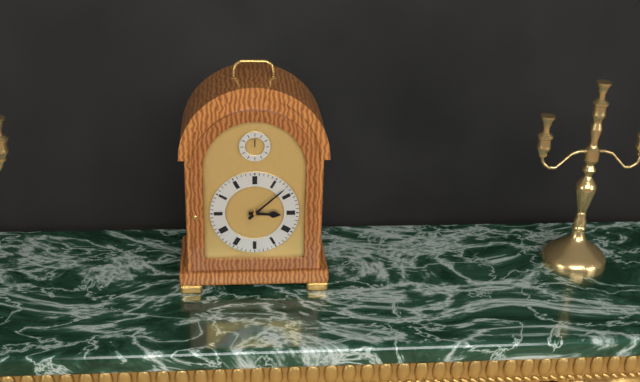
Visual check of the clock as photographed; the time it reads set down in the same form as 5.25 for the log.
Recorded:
3.08
